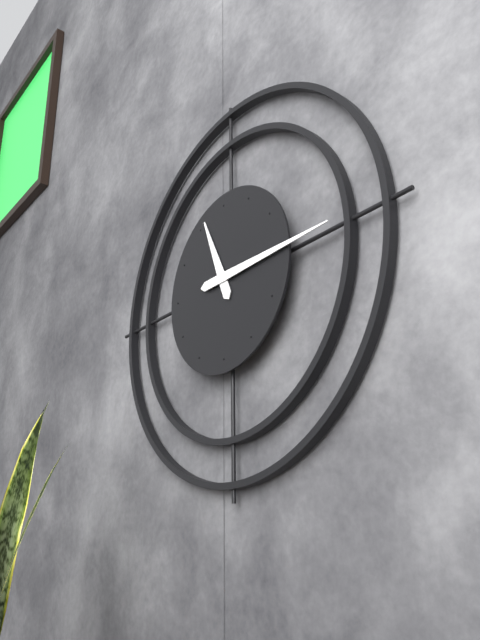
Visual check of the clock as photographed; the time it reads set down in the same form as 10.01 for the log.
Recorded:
11.15
